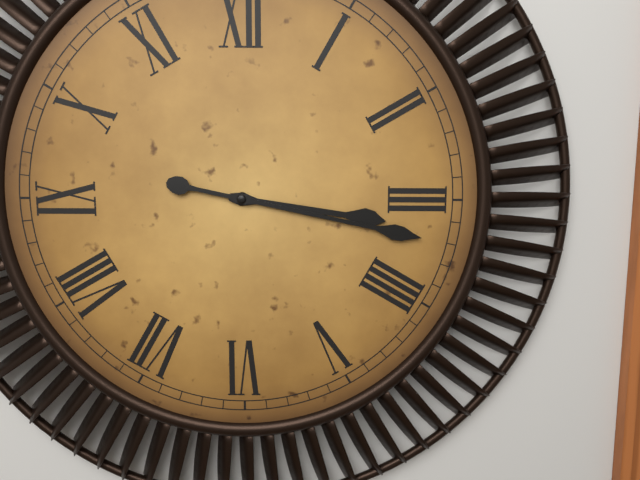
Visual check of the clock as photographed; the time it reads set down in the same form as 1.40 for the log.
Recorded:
3.17
